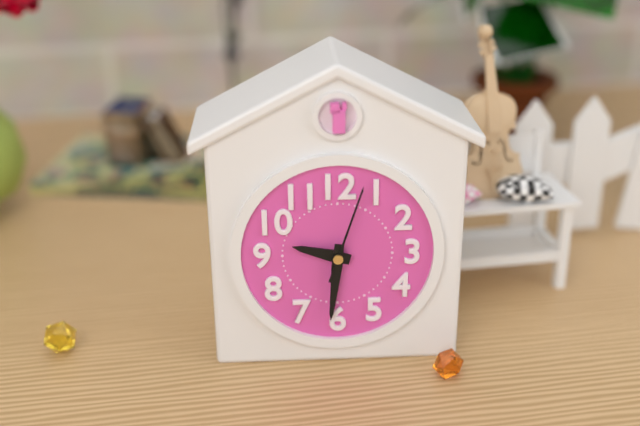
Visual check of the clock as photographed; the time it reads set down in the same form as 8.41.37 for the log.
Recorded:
9.31.03
